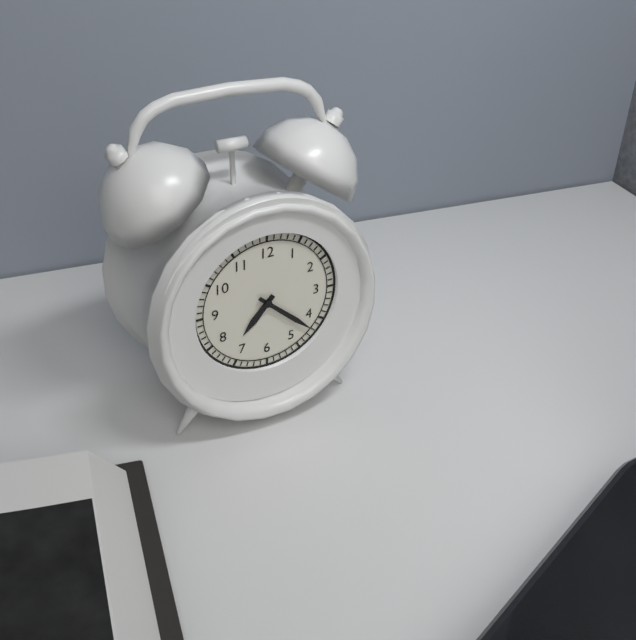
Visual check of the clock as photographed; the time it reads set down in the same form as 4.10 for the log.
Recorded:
7.22
